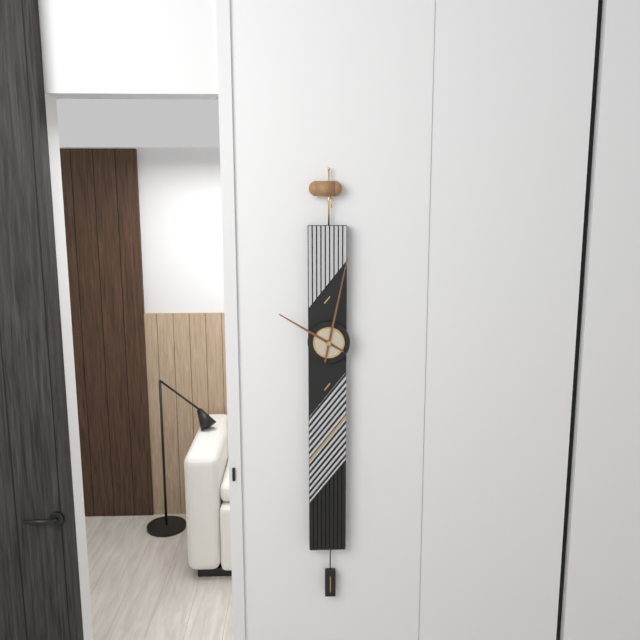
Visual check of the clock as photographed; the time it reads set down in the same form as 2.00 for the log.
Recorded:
10.02
